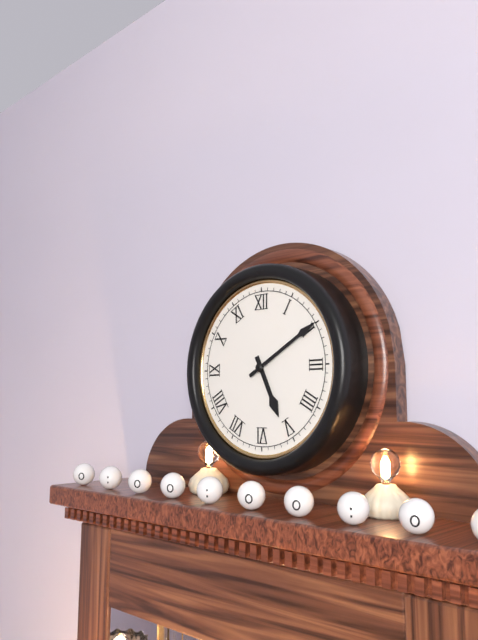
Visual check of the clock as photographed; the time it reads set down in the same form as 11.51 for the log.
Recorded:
5.10
